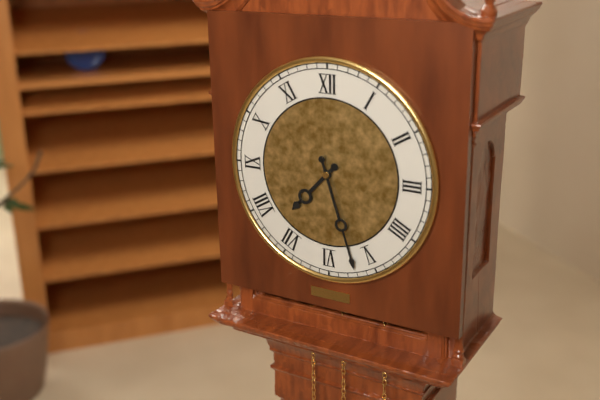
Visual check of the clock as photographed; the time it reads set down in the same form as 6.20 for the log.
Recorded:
7.27
